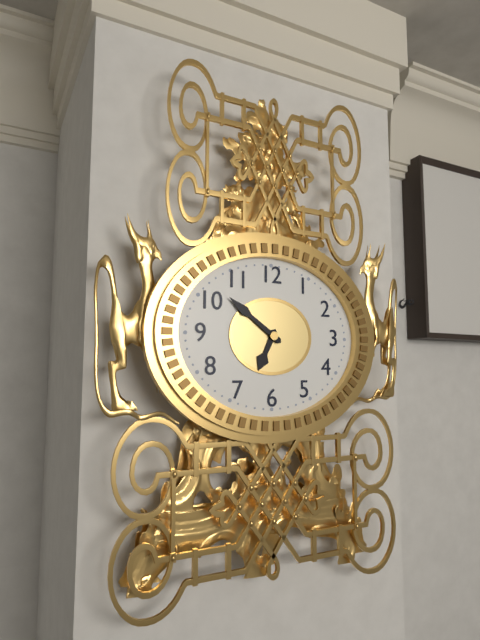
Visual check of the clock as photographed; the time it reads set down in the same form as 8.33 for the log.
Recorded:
6.51
